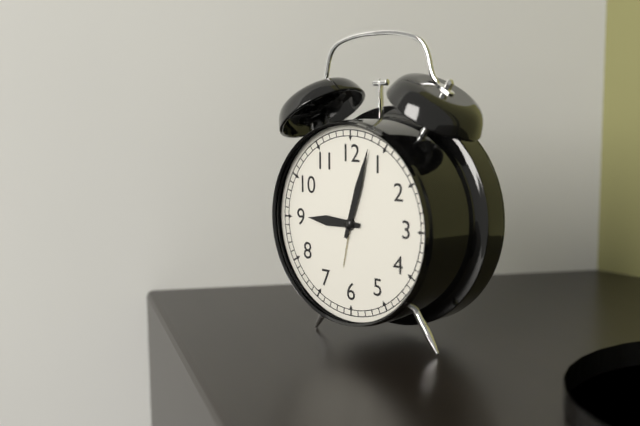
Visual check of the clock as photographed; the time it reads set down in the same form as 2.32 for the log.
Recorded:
9.03
